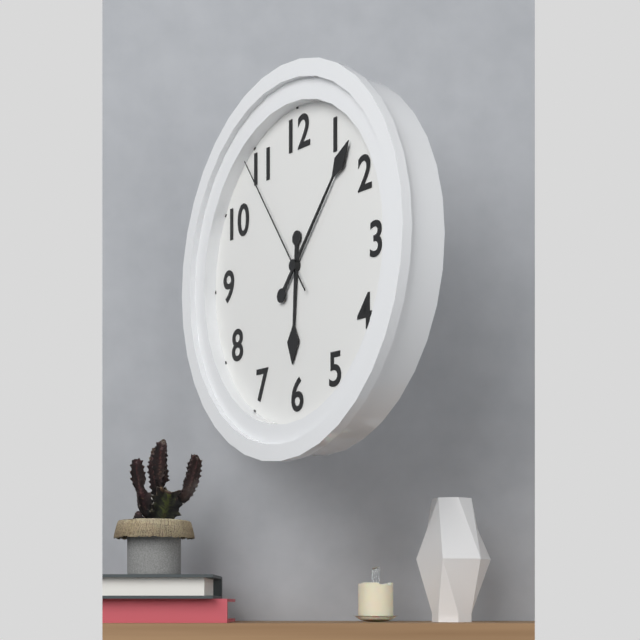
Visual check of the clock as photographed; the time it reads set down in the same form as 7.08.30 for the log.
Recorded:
6.07.54
